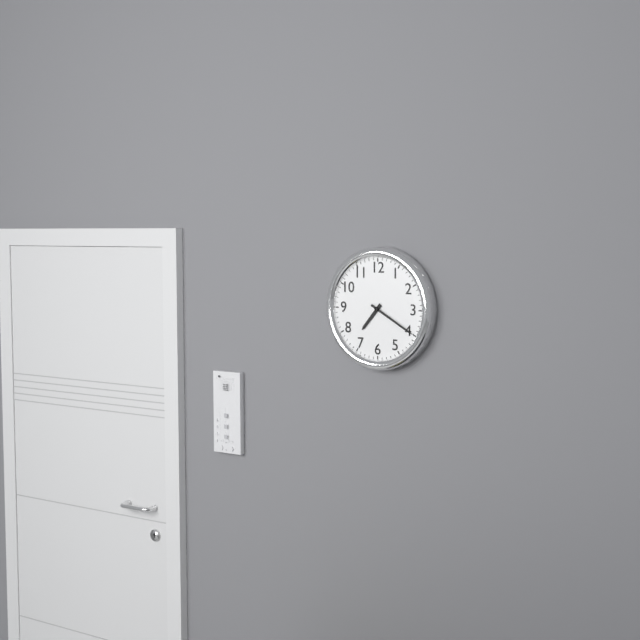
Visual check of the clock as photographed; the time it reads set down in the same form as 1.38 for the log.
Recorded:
7.20
